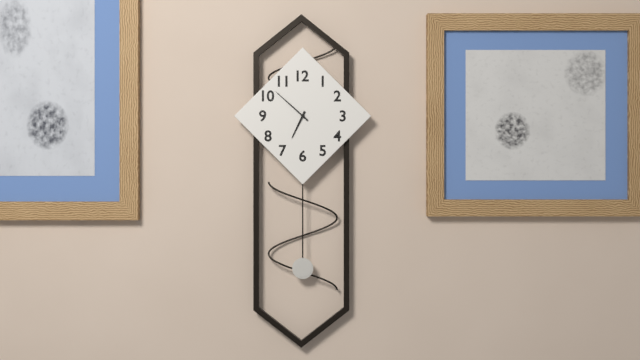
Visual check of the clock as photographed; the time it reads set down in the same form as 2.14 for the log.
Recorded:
6.52
